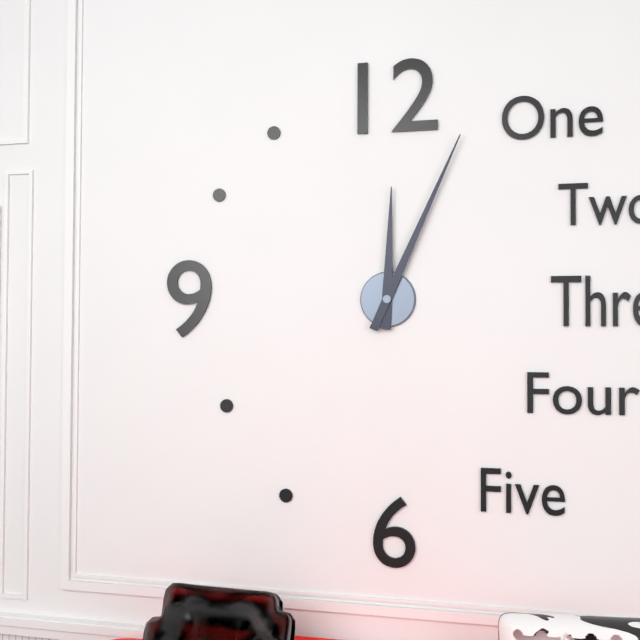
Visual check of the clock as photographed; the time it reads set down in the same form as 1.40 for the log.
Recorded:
12.04
